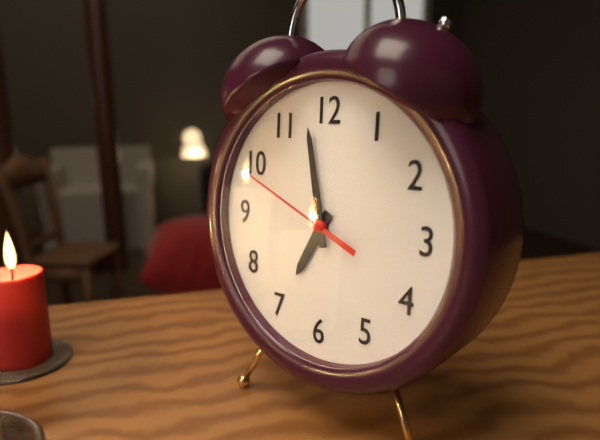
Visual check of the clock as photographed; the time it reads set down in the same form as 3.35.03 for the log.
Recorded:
6.58.49
